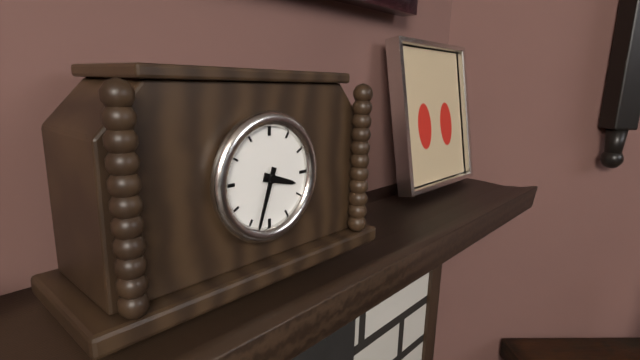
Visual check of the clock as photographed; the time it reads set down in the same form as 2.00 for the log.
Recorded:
3.33
